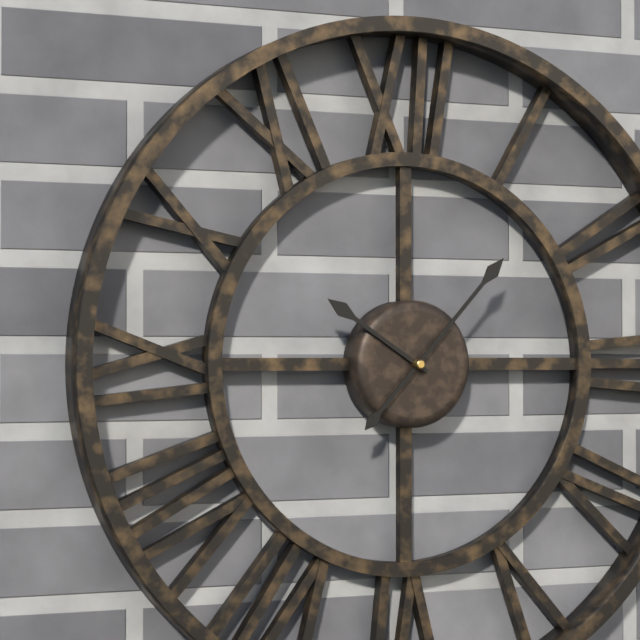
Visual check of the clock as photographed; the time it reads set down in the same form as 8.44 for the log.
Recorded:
10.07
